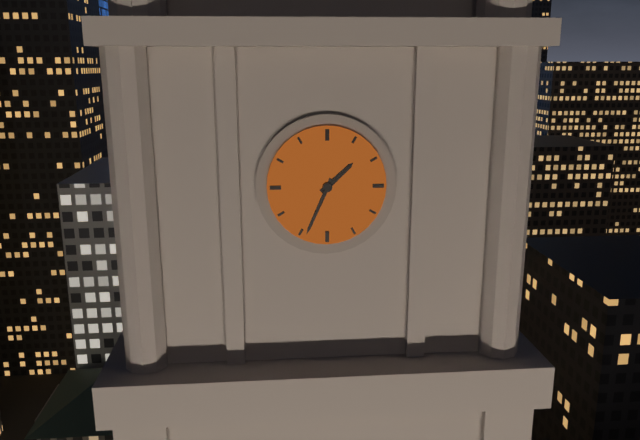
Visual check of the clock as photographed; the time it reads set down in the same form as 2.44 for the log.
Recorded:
1.34
